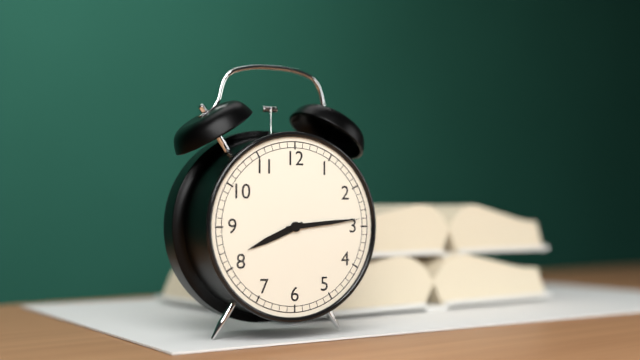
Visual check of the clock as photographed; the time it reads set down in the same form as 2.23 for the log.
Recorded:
8.14
